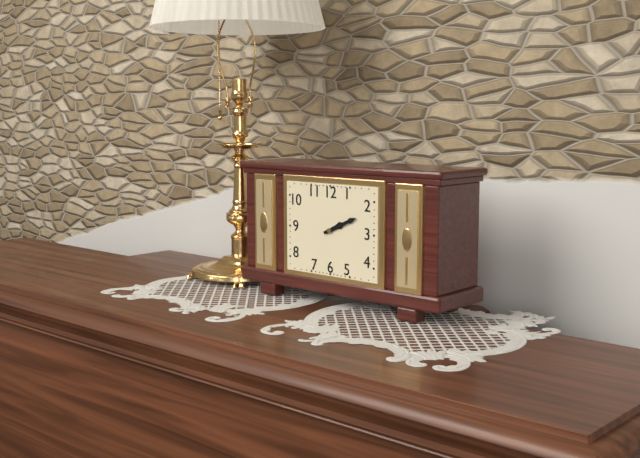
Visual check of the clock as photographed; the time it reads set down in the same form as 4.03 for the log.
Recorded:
2.11
